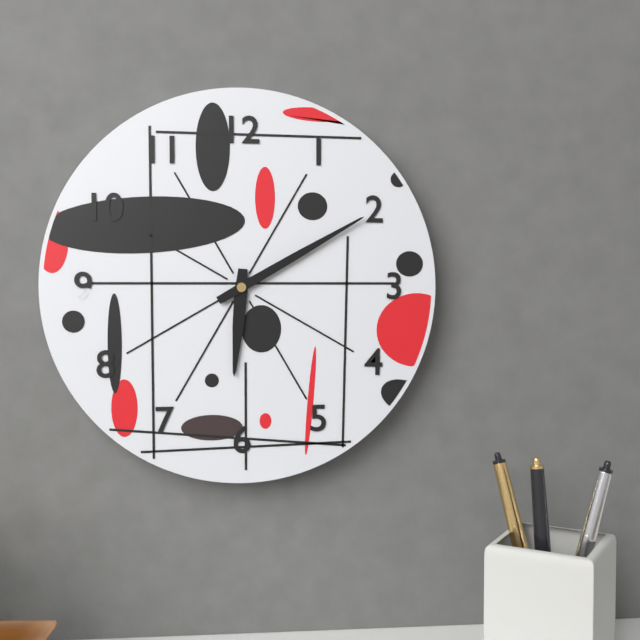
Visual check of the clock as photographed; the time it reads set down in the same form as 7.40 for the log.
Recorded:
6.10
